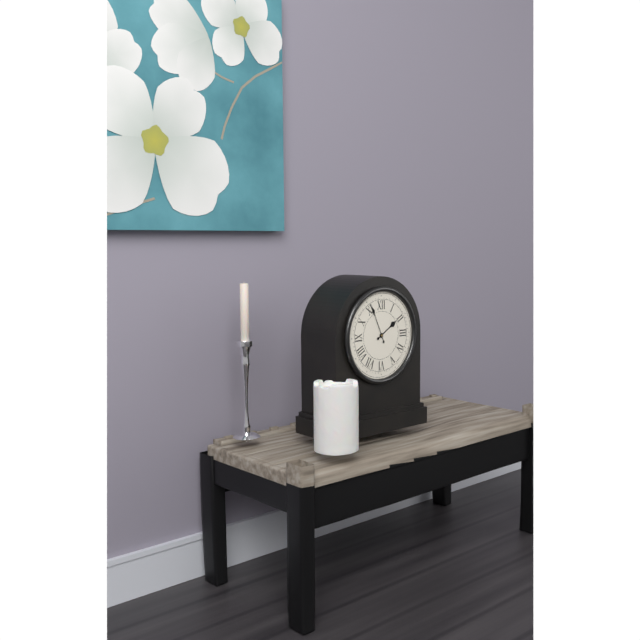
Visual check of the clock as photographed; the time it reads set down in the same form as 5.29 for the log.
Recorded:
1.56
